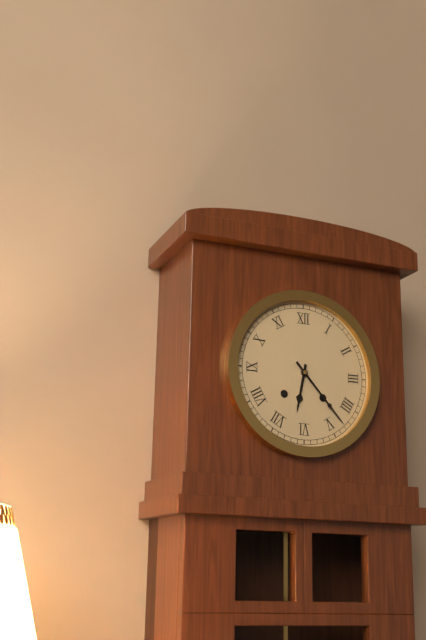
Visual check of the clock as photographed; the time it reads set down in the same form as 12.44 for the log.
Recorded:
6.23
